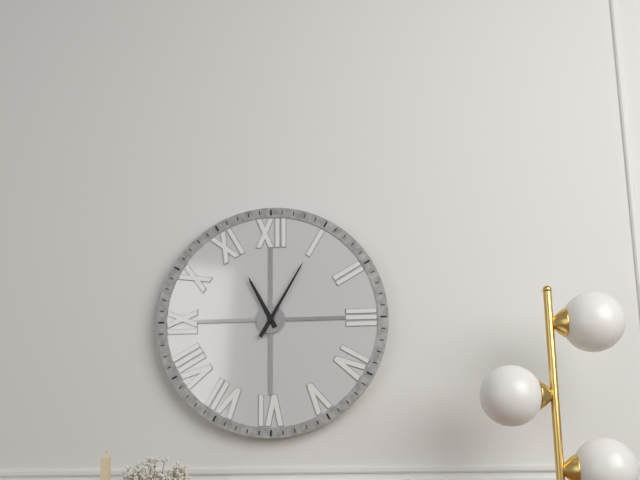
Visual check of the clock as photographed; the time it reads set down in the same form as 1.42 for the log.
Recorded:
11.05
